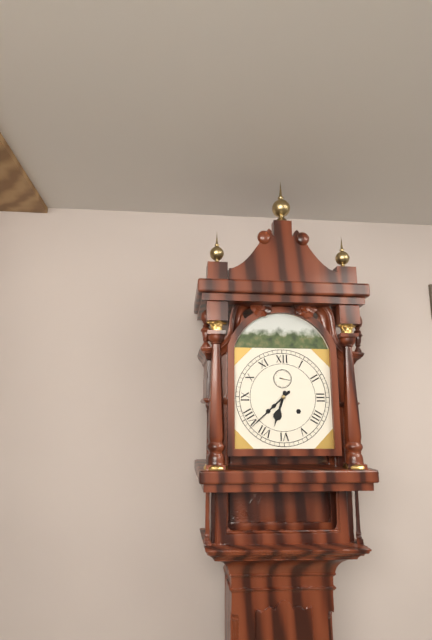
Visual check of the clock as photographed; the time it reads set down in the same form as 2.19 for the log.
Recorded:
6.38
